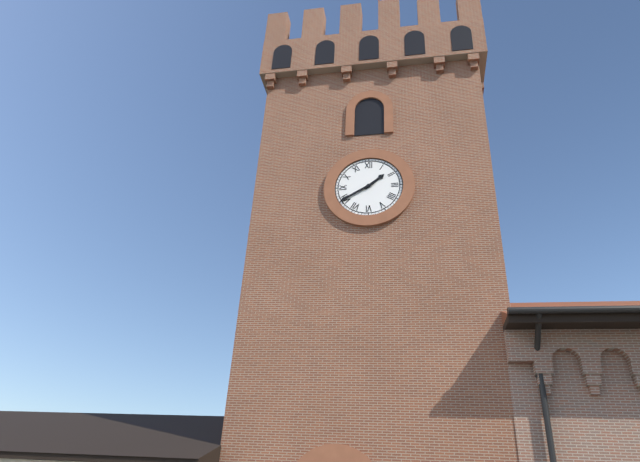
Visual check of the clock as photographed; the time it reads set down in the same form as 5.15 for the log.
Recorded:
1.40
